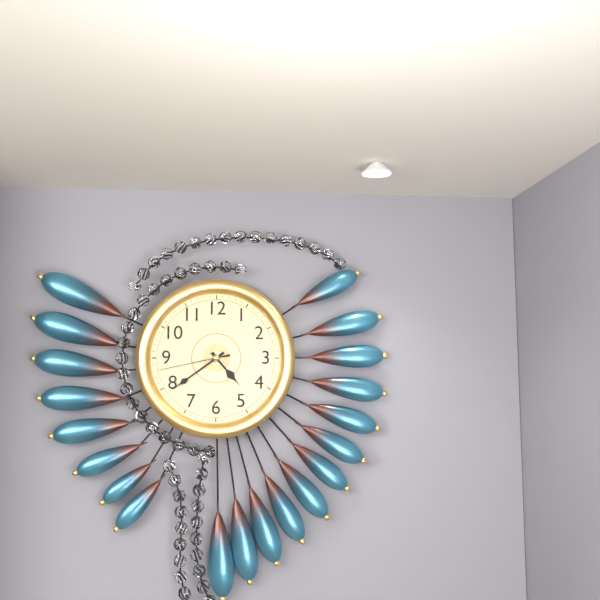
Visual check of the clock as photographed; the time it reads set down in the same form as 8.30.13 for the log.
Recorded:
4.39.43
